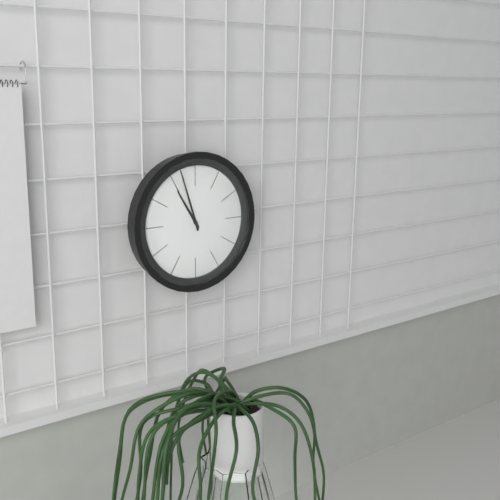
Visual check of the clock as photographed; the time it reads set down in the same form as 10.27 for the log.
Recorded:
10.57
